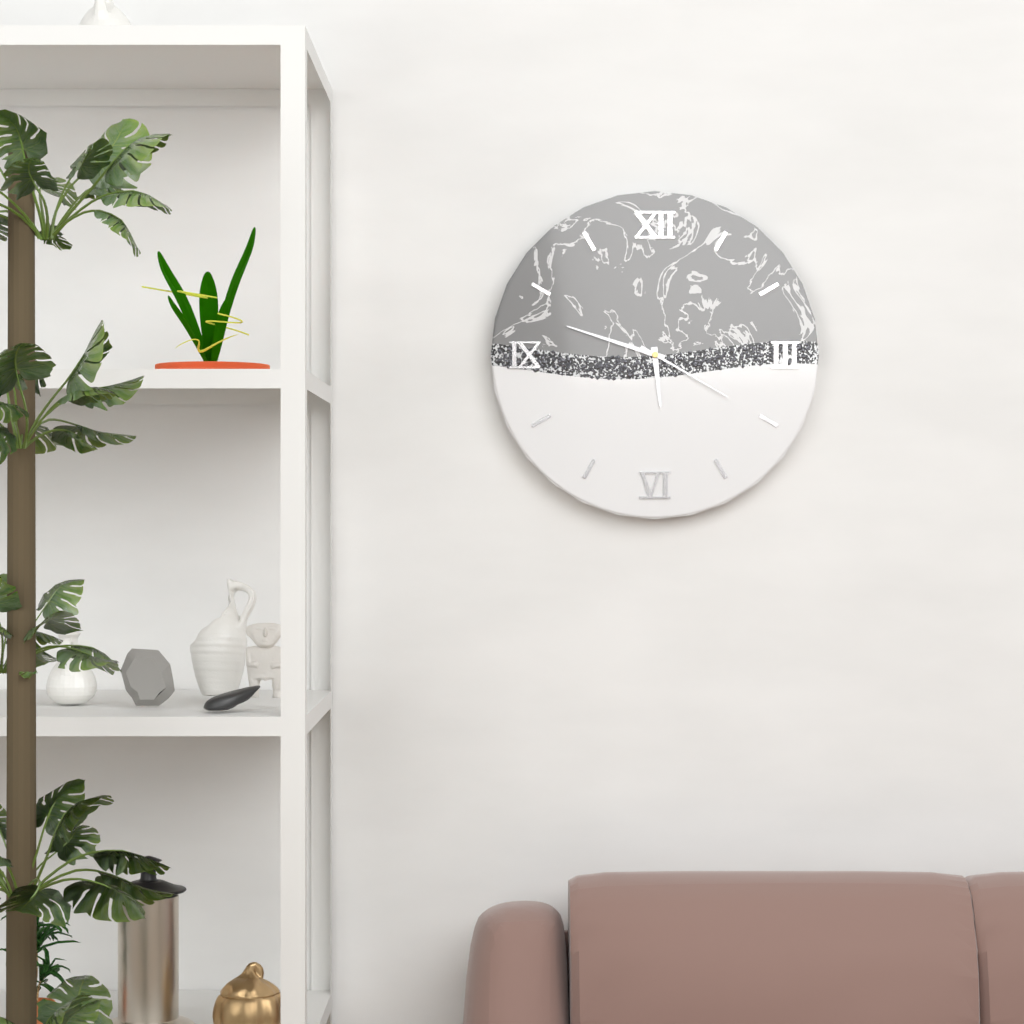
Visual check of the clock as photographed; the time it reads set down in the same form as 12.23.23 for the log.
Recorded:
5.48.20
